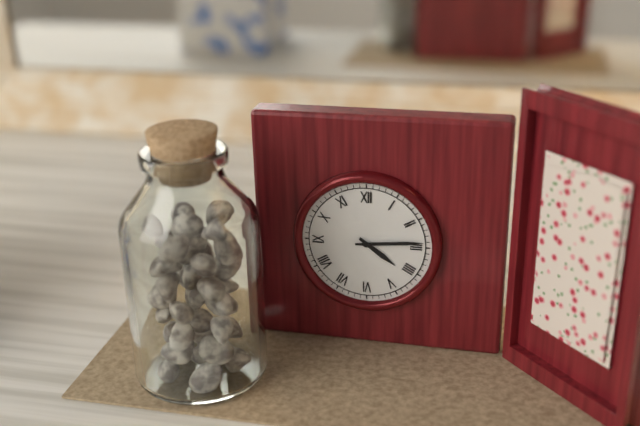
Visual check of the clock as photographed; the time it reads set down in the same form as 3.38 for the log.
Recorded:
4.14
